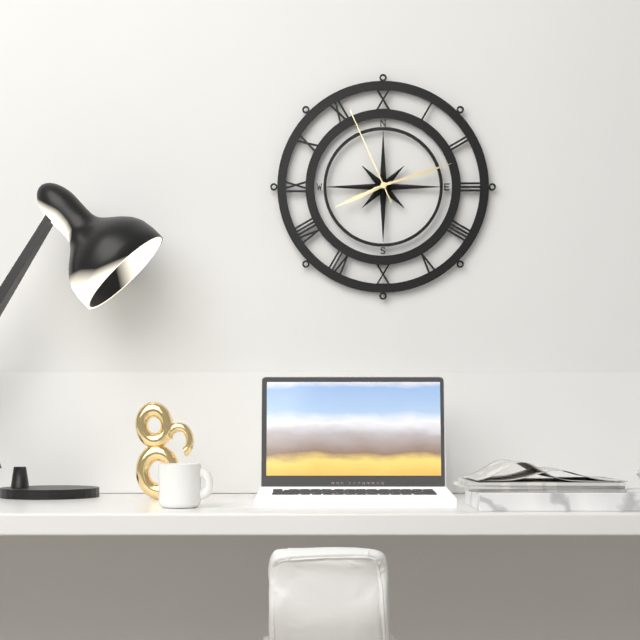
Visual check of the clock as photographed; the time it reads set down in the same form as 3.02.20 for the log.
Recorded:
8.12.56
